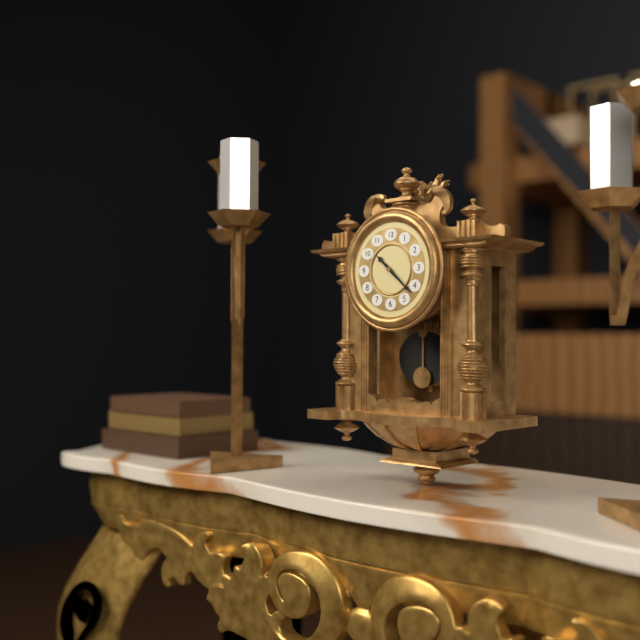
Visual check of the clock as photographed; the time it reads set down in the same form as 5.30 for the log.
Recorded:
10.22
